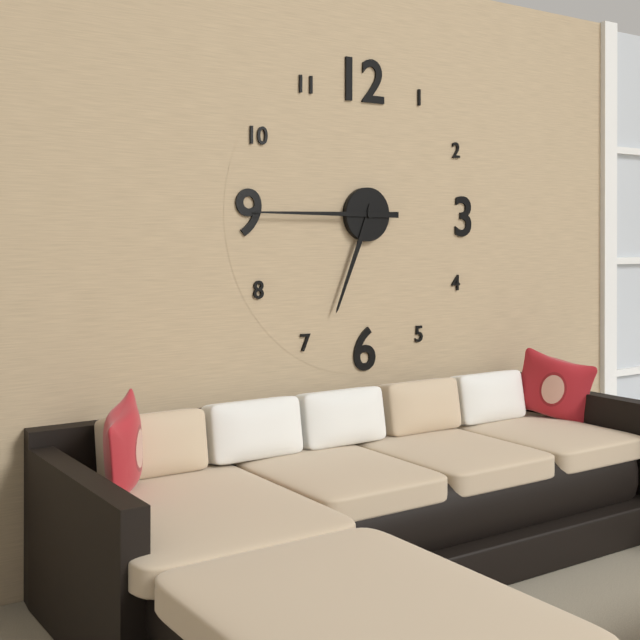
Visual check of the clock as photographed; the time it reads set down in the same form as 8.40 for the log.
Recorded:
6.45
